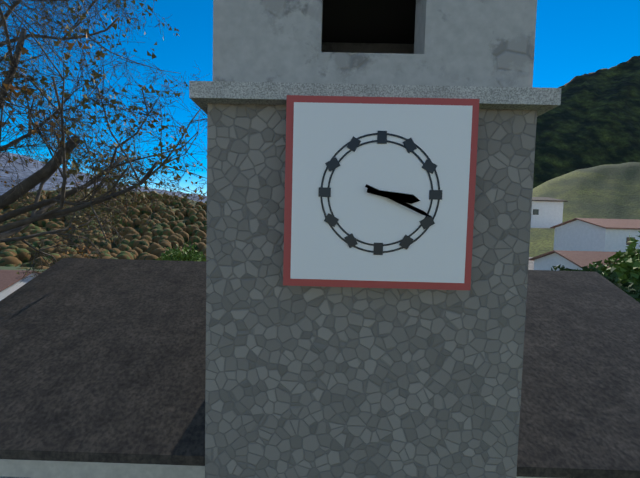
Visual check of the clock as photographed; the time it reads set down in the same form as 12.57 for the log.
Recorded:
3.19
